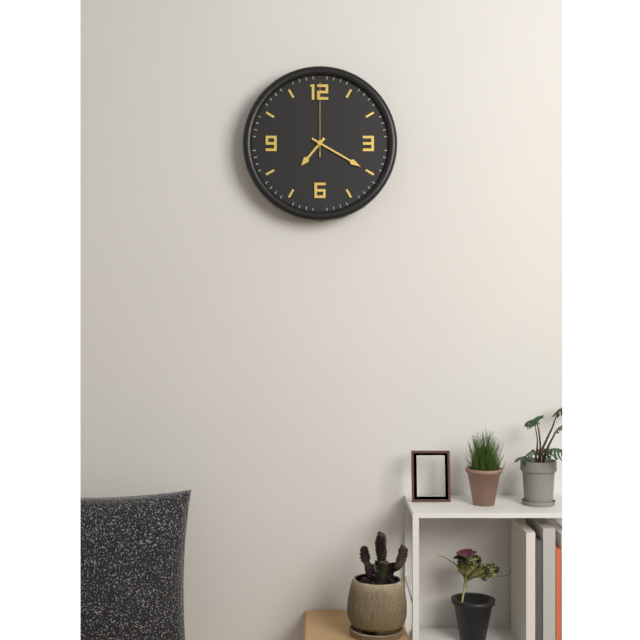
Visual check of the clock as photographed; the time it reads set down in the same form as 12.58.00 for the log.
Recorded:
7.20.00
